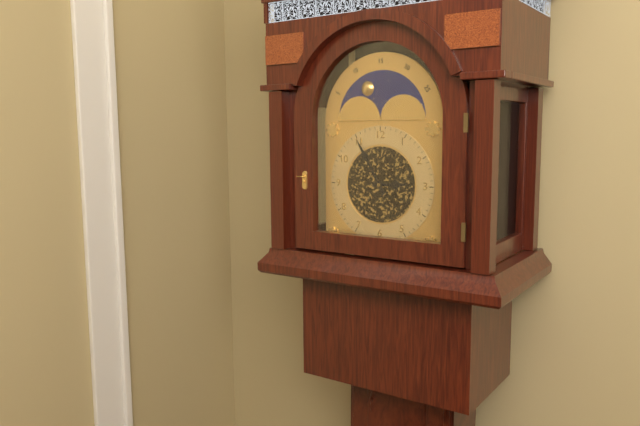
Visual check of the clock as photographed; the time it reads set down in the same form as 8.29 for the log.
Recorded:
2.55
